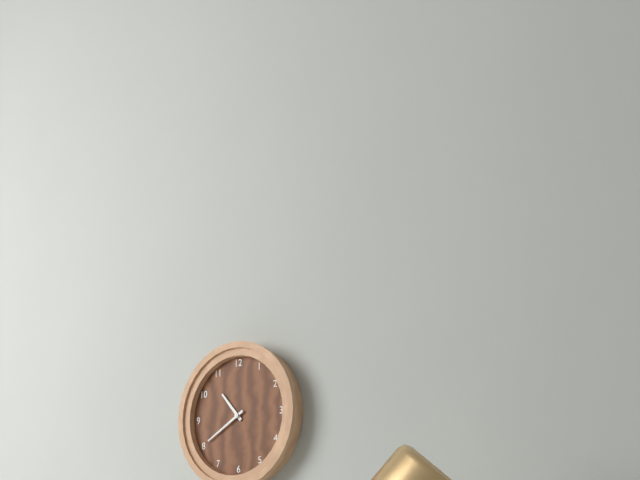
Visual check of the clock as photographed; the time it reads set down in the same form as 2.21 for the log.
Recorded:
10.40
